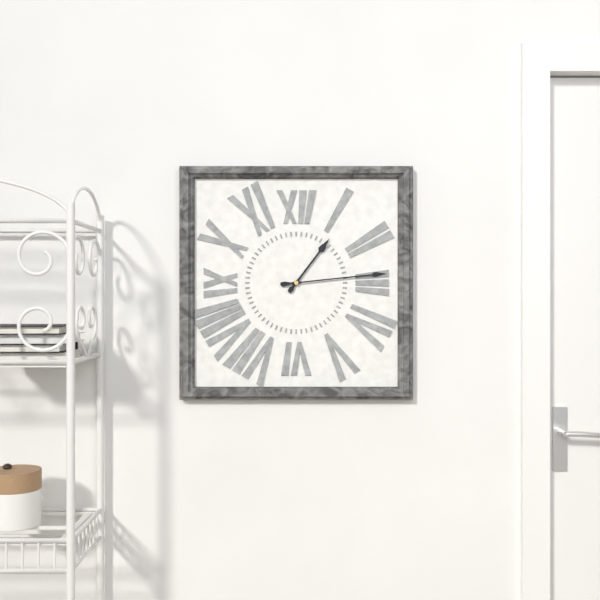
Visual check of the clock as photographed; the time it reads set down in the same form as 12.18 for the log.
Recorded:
1.14
